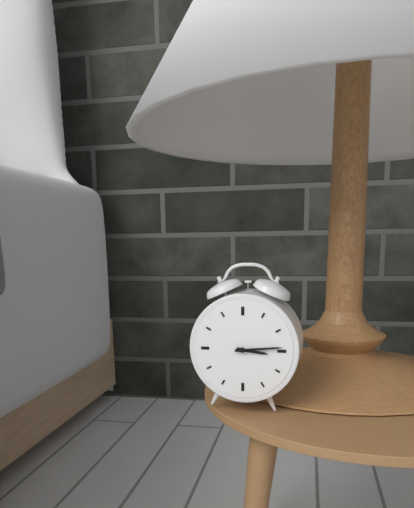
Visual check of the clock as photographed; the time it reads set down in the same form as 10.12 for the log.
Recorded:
3.14
